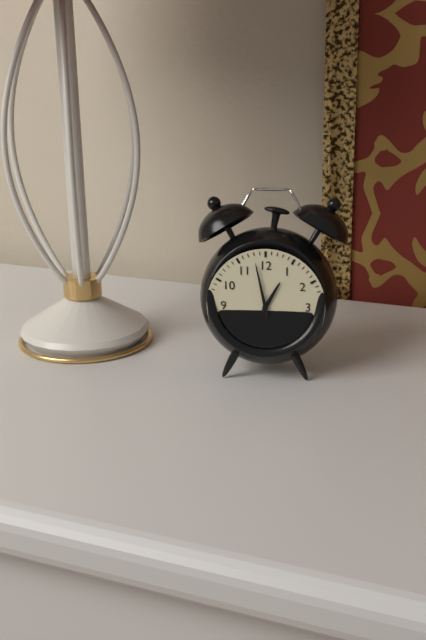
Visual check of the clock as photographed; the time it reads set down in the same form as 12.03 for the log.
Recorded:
12.58
